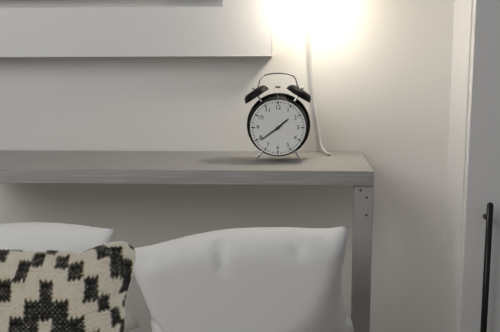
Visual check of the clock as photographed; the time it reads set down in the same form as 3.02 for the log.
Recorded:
1.39
